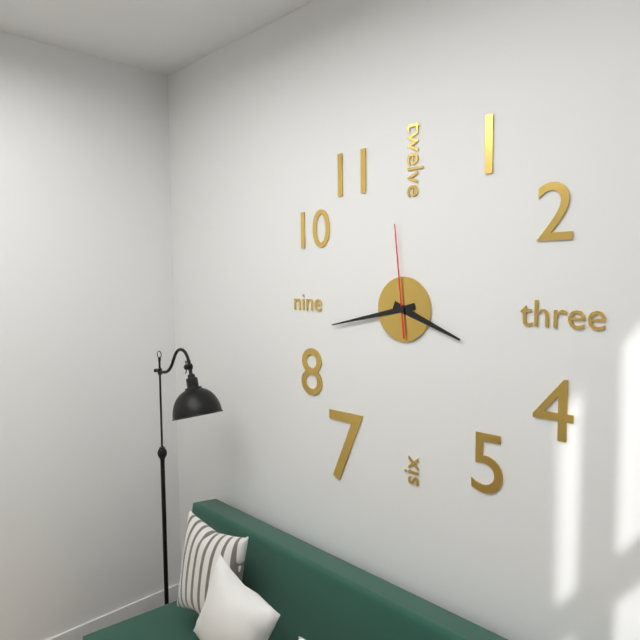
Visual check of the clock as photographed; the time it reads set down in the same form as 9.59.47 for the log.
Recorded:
3.43.59
